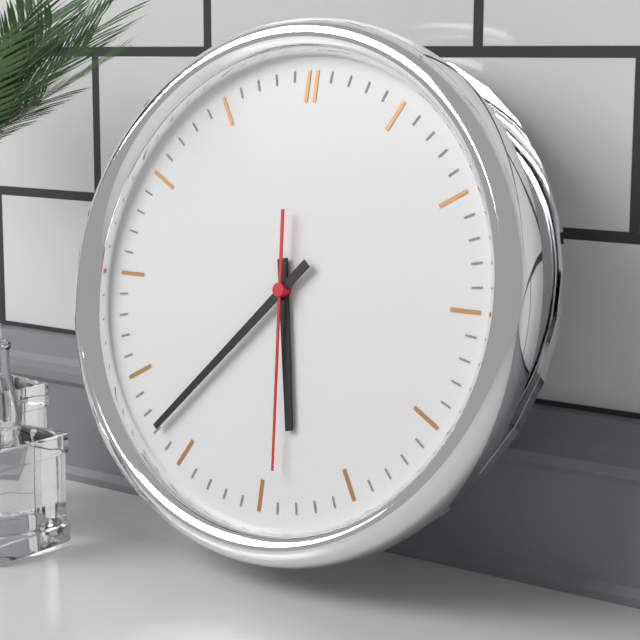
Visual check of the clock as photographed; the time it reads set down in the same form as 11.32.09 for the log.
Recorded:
5.37.29
